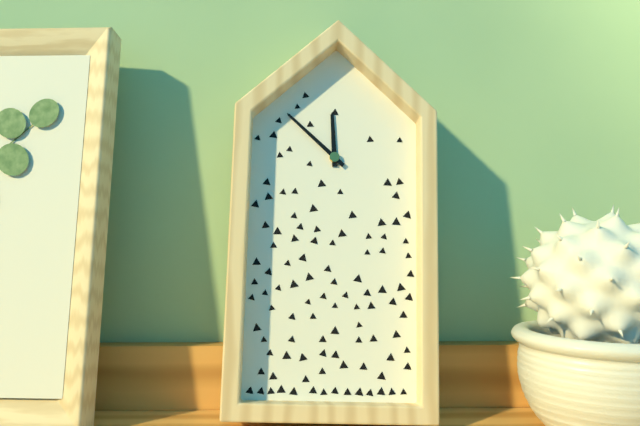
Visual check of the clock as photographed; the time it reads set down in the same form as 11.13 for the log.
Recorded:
11.52
